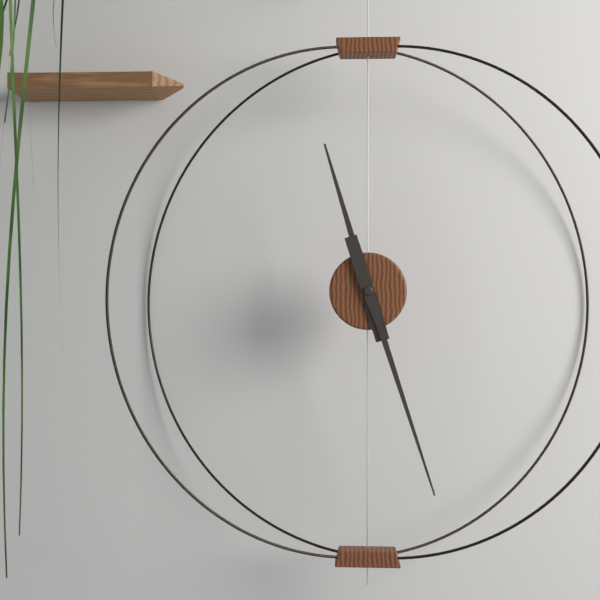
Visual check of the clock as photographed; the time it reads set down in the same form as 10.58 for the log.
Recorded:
11.27
